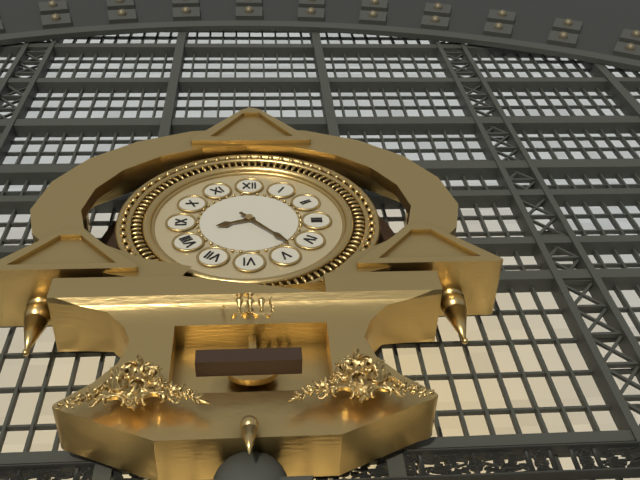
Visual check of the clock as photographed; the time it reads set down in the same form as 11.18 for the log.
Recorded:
8.23
